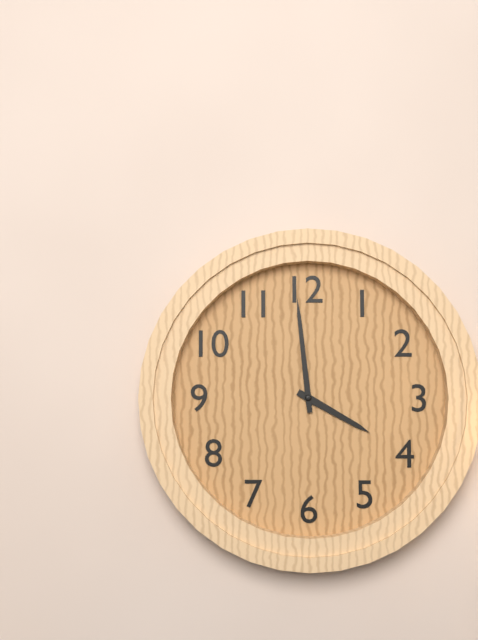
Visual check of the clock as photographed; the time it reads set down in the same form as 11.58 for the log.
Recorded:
3.59
